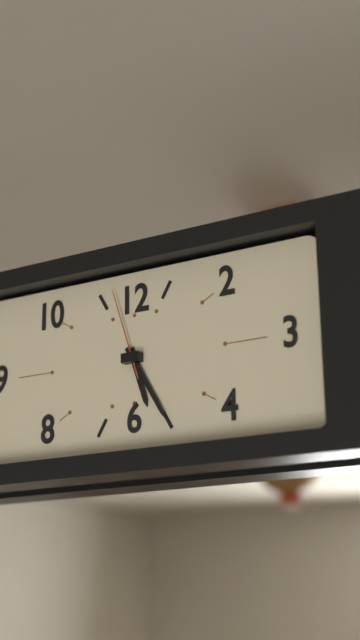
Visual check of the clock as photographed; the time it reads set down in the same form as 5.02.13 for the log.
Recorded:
5.25.57
